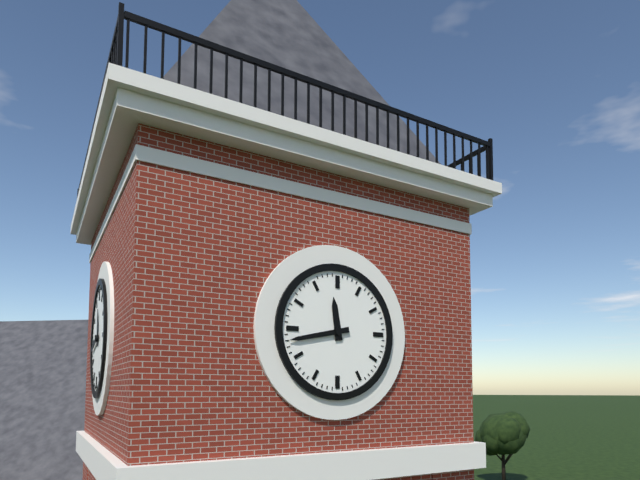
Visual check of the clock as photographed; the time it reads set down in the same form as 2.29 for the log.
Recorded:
11.43
